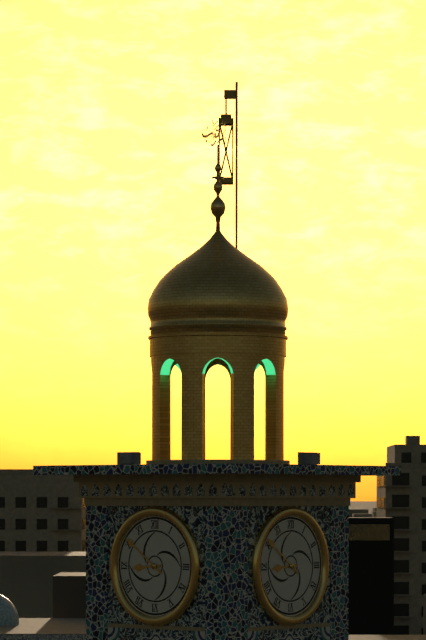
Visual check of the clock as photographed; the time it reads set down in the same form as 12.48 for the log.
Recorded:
8.51
